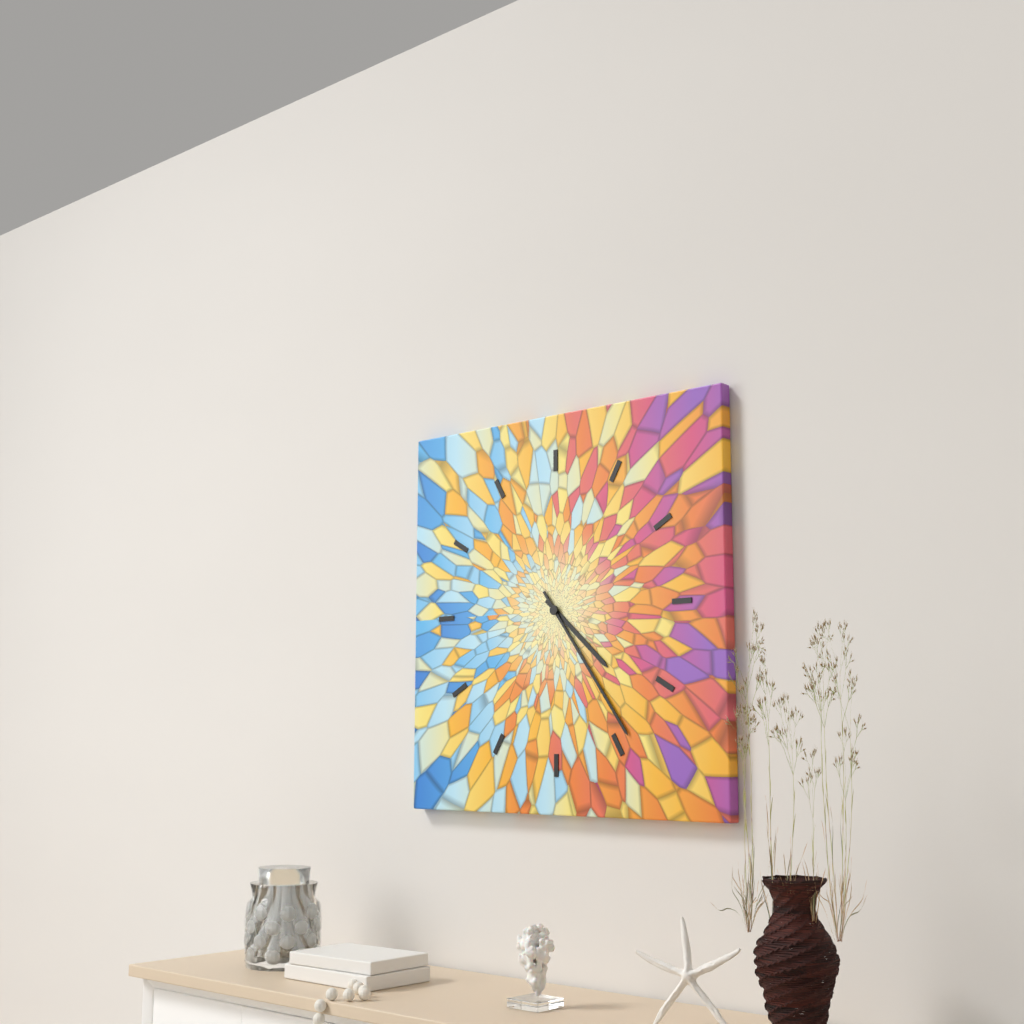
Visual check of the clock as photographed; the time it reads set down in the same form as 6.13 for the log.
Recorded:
4.24
